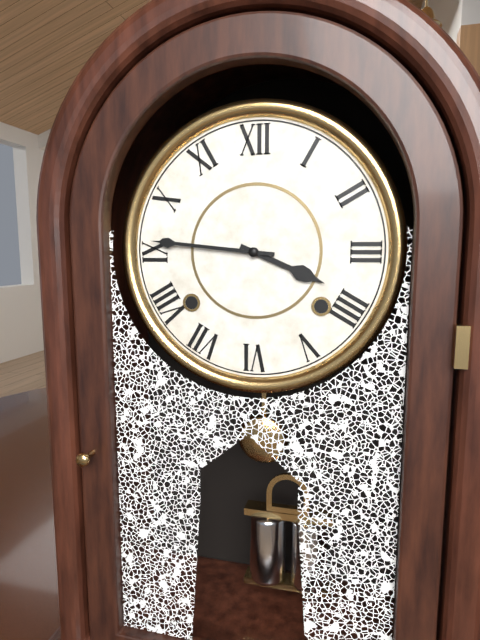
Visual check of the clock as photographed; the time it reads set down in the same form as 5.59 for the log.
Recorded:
3.46
